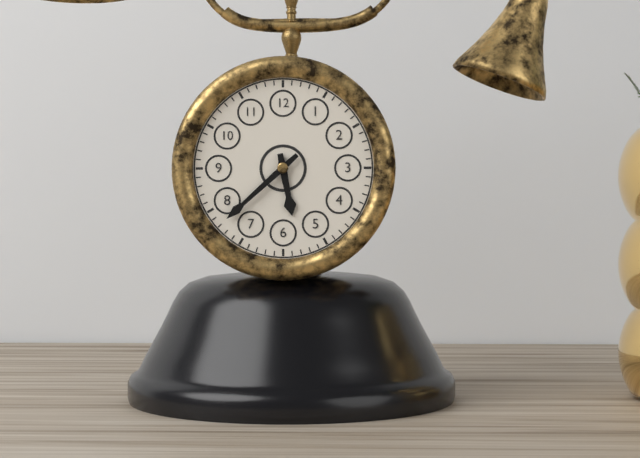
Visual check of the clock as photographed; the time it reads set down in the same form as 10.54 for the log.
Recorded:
5.38
